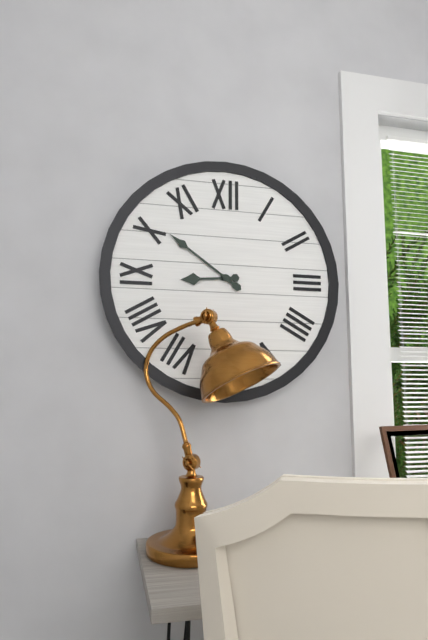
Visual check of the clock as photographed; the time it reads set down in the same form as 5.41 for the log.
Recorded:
8.51
